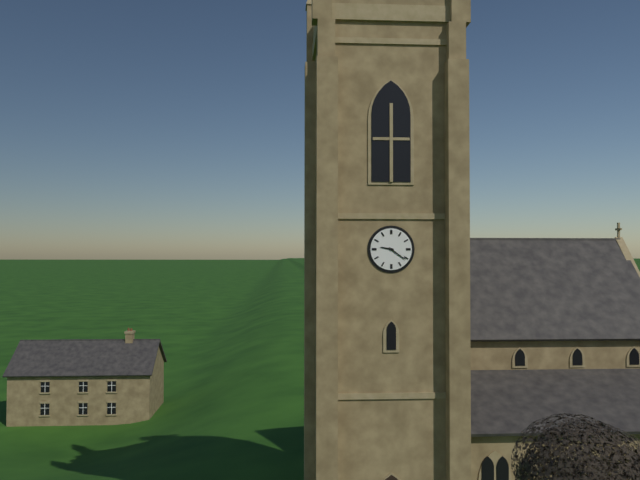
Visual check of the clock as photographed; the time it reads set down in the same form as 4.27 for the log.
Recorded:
9.21
